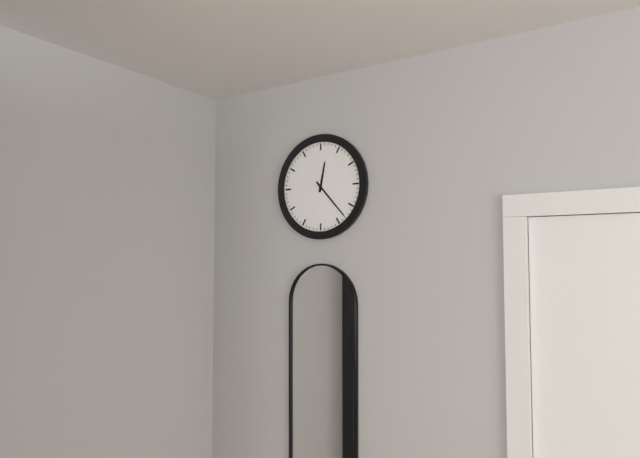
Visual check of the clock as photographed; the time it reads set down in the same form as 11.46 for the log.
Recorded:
12.23
